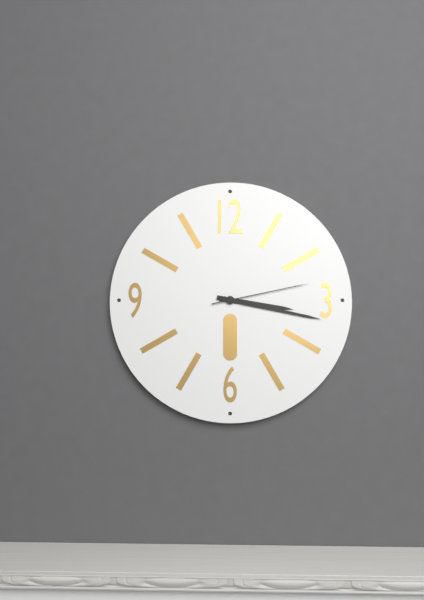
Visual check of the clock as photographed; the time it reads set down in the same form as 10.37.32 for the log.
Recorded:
3.17.13
